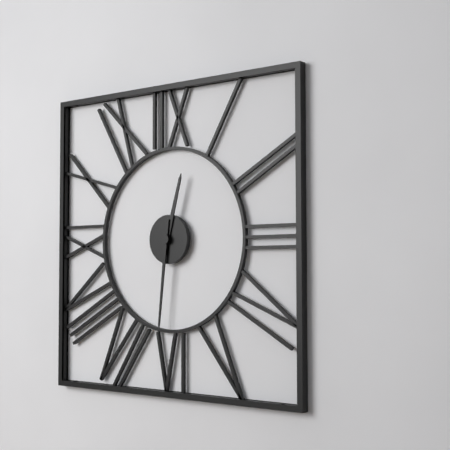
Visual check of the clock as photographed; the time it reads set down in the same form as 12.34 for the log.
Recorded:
12.31
